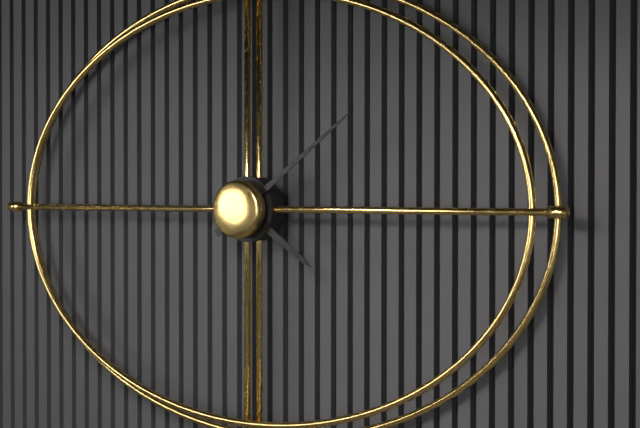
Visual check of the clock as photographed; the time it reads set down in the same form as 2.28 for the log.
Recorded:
4.09
